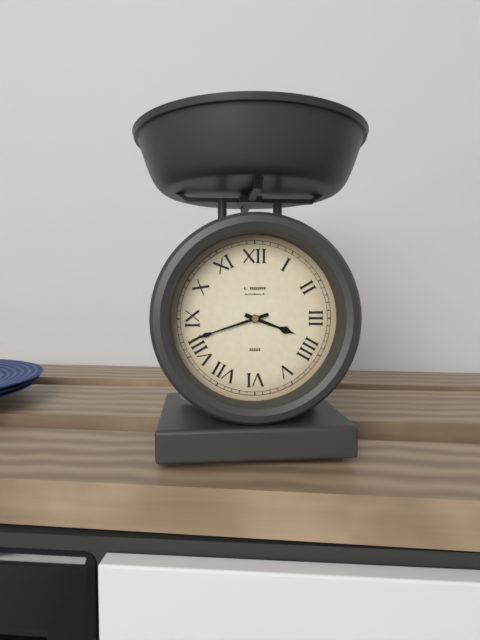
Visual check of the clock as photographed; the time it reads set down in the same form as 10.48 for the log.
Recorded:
3.42
